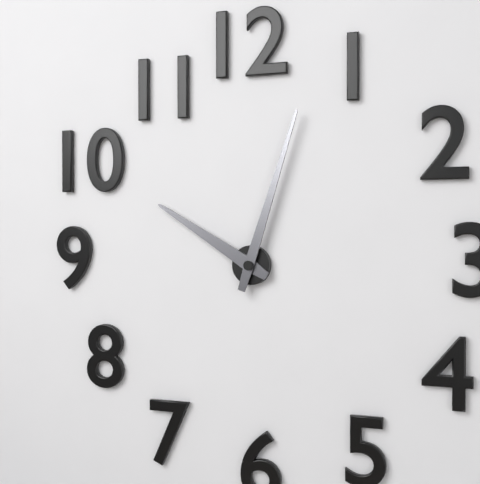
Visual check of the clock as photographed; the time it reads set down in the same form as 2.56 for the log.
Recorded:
10.03
